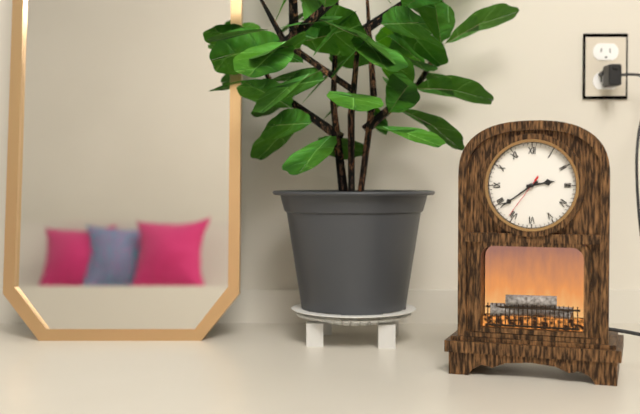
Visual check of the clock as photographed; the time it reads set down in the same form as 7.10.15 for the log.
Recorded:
2.39.36
